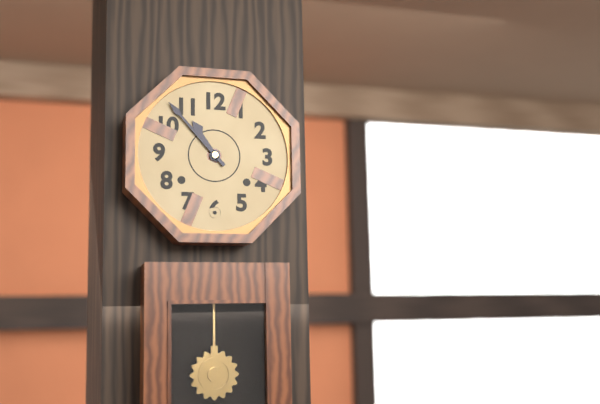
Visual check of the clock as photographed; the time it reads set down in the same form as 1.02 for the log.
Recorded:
10.53
